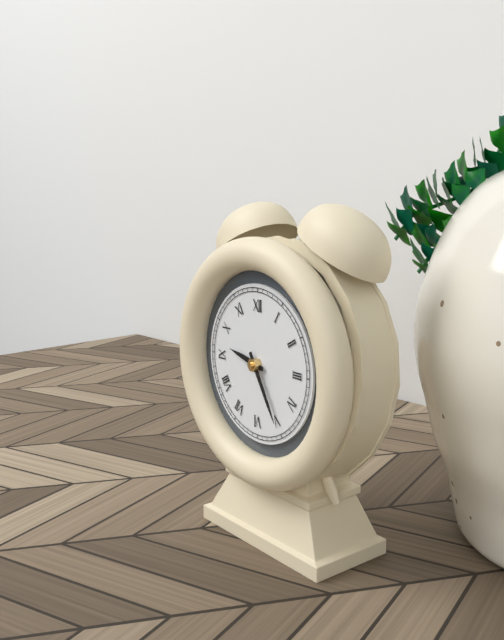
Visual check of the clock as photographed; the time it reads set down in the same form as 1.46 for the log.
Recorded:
9.25
